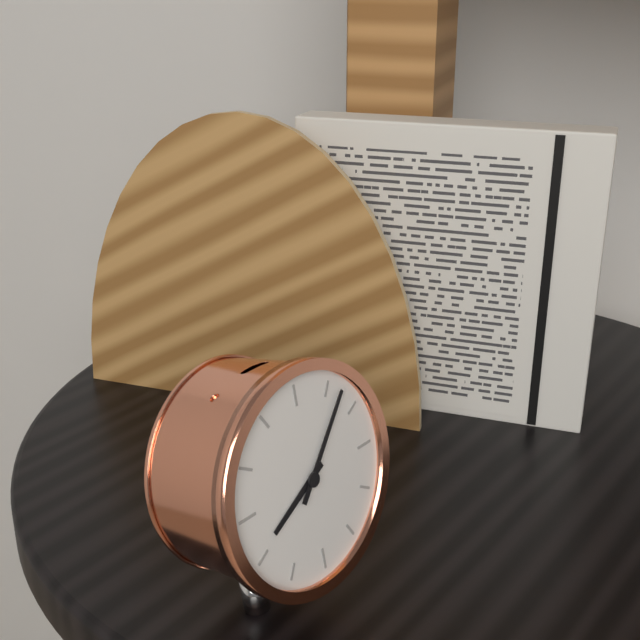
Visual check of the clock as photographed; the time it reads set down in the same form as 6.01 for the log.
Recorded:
8.07
